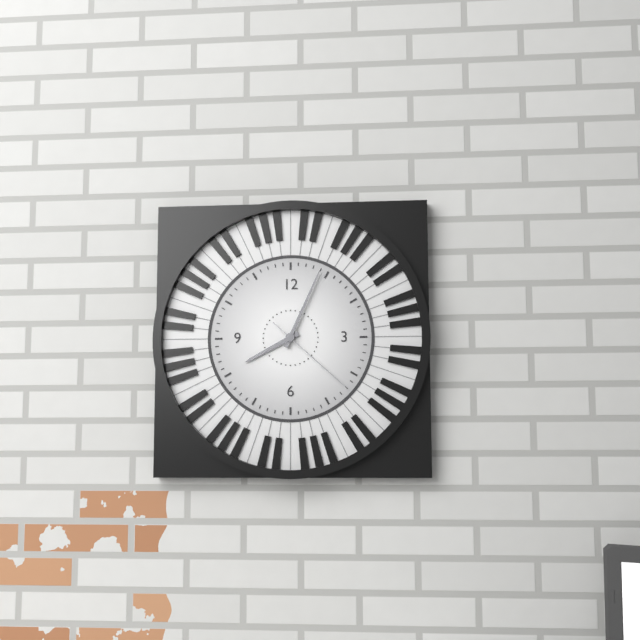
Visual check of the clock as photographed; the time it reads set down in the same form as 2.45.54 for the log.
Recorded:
8.04.22
